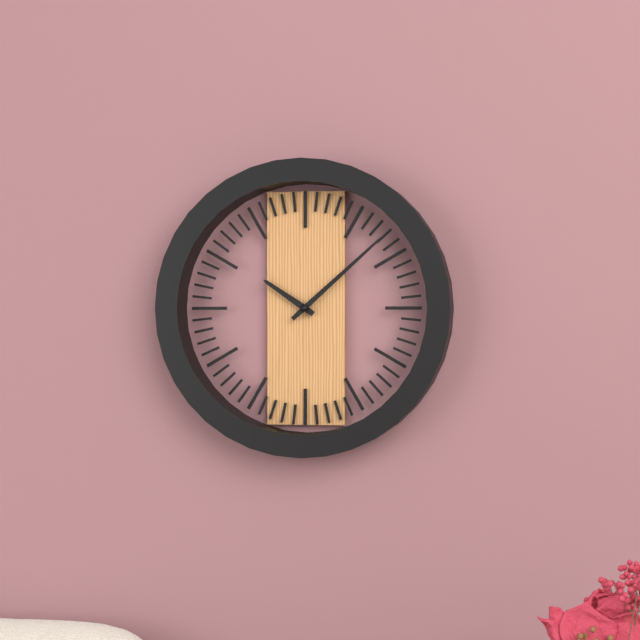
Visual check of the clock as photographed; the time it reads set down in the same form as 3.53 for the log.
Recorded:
10.08
